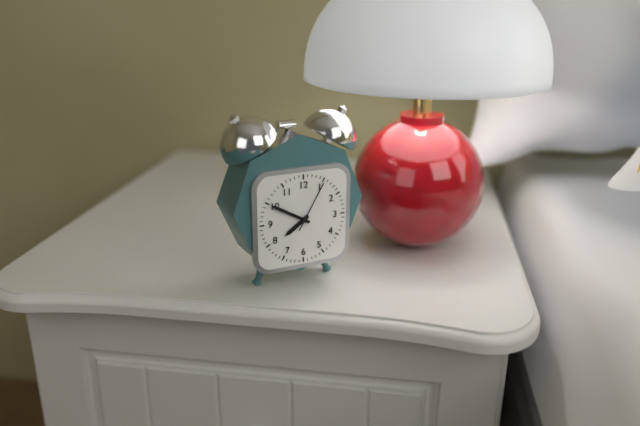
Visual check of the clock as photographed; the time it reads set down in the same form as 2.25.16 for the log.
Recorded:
7.50.05
